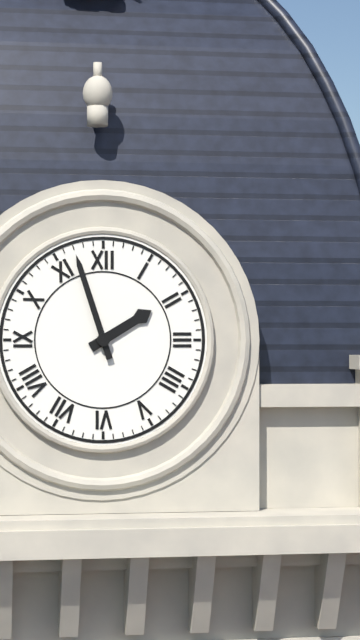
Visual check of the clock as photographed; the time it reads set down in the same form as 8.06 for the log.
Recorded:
1.57
